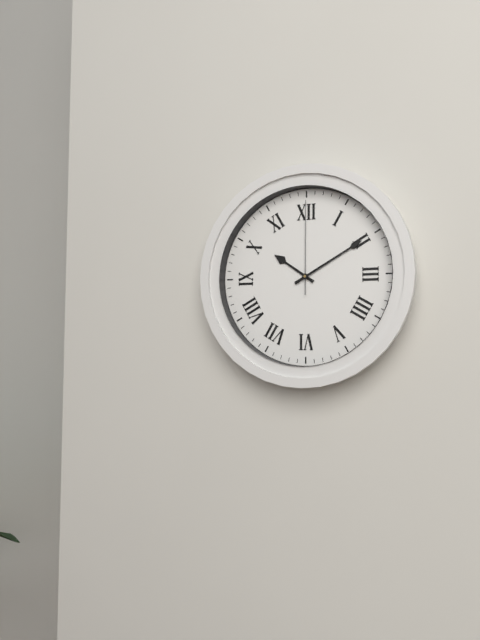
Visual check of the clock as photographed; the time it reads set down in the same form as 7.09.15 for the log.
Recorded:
10.10.00
